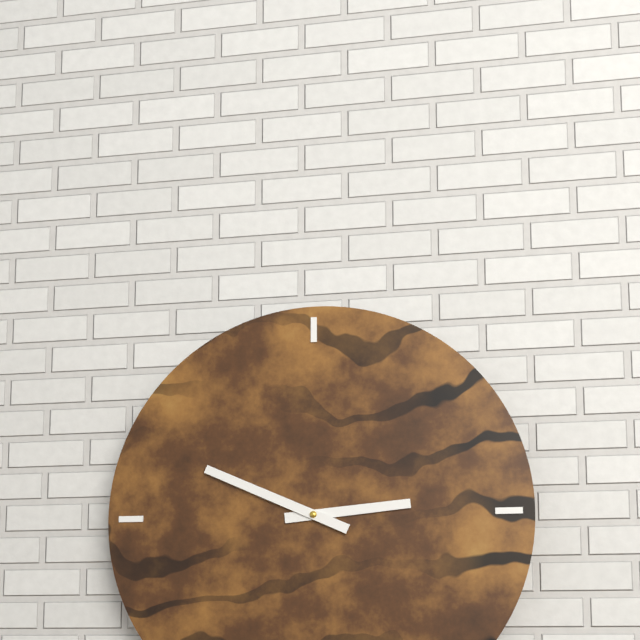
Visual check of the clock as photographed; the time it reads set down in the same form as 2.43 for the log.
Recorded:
2.49
